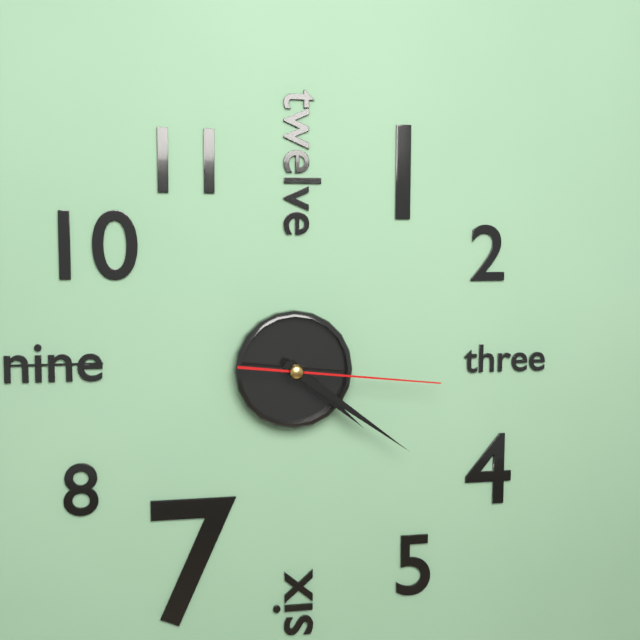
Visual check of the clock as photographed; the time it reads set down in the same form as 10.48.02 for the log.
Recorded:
4.21.16
